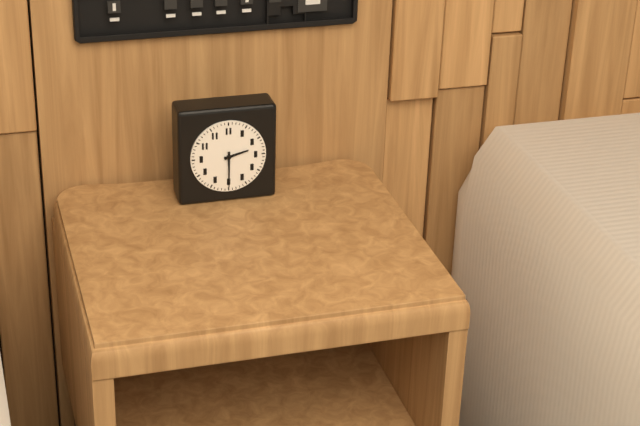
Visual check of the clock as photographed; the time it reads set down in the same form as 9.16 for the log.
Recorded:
2.30
